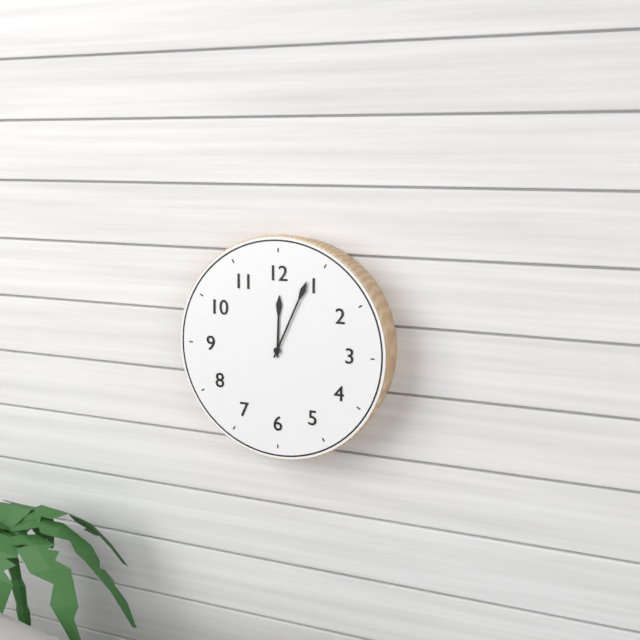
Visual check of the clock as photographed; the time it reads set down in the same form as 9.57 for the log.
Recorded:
12.04
